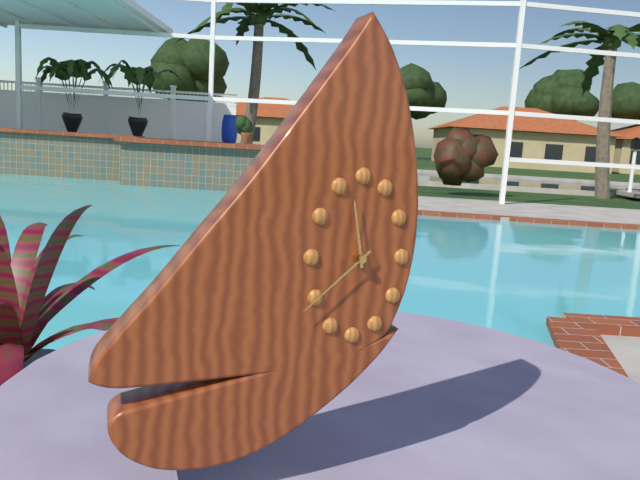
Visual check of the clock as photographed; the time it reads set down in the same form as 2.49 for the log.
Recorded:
11.38
